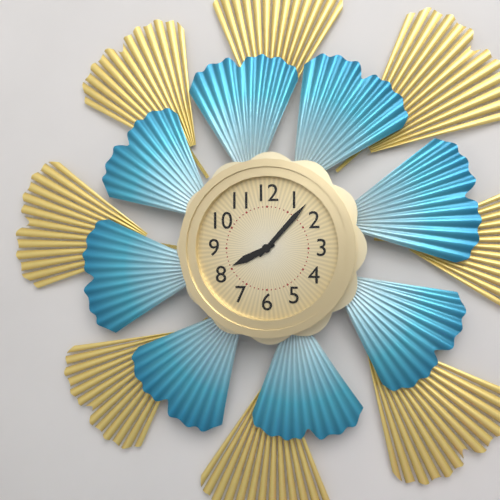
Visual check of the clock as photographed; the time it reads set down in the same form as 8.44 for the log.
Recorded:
8.07
